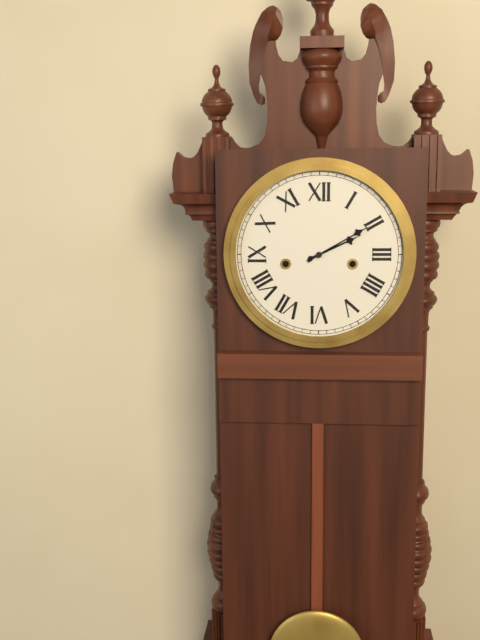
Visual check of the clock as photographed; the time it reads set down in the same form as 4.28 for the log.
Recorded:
2.10
